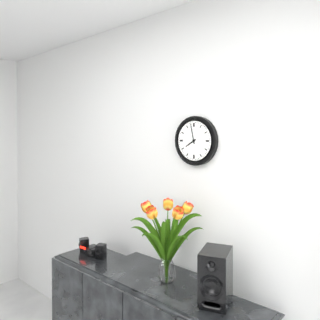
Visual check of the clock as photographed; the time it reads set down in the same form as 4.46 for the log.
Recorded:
7.58
